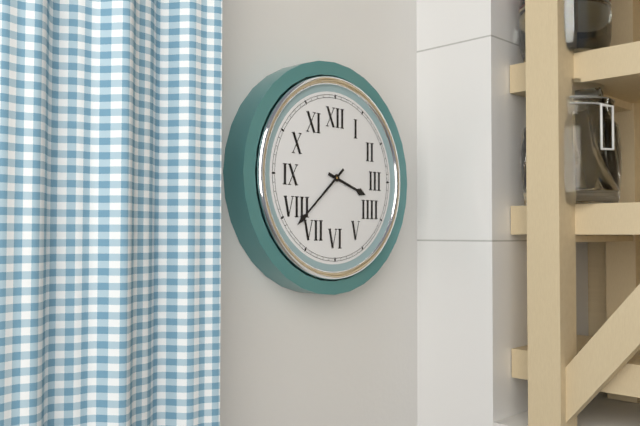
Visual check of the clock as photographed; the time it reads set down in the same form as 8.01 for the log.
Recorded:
3.38
